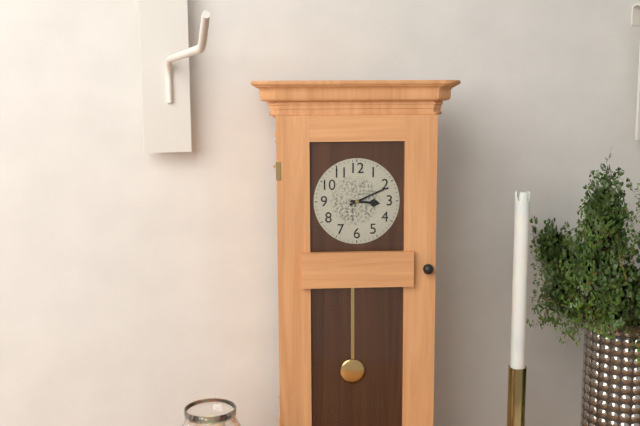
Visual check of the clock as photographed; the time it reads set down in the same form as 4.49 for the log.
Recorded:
3.11
